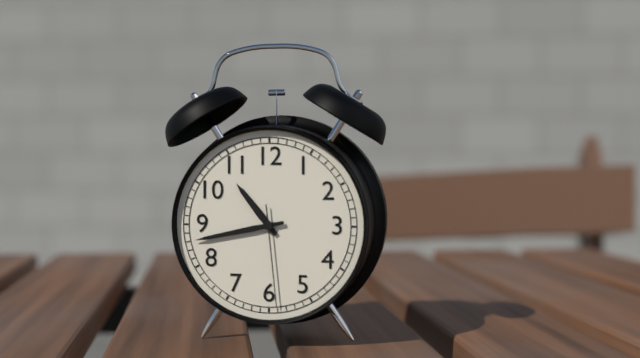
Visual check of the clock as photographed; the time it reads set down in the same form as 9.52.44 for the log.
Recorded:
10.43.29
